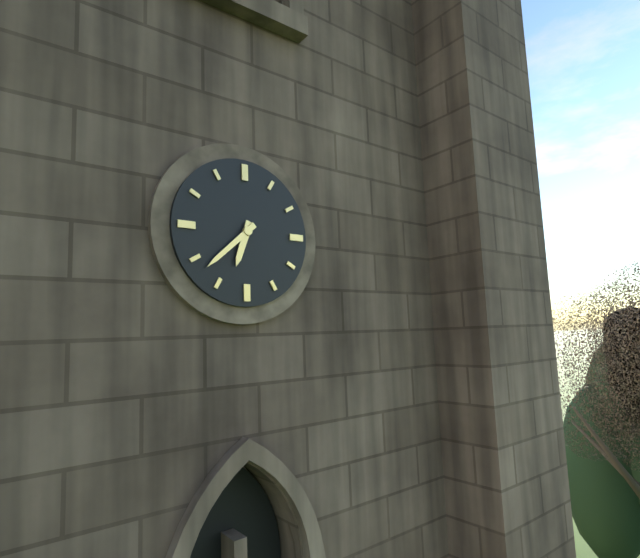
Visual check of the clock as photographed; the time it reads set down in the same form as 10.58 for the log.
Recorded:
6.38
